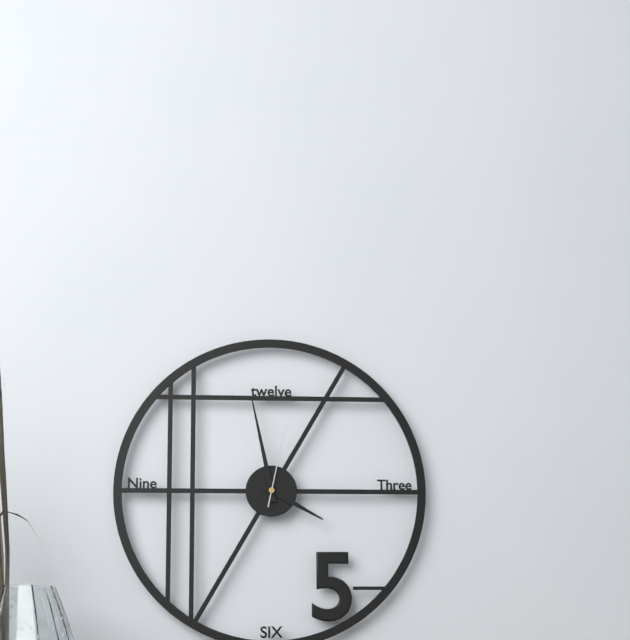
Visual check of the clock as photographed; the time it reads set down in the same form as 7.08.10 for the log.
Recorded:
3.58.02
